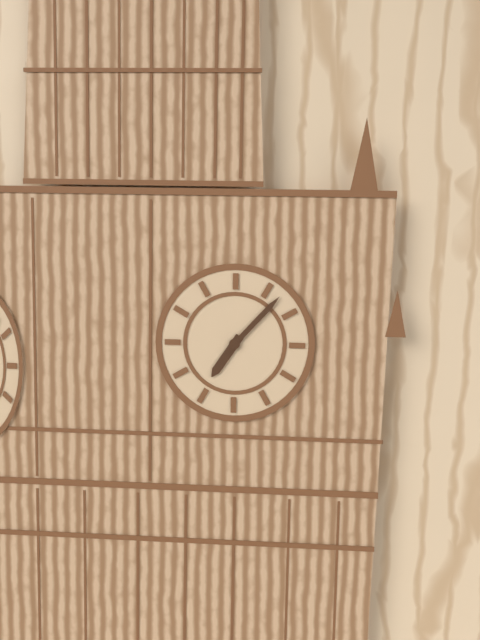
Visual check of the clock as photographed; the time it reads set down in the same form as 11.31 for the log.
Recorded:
7.07
